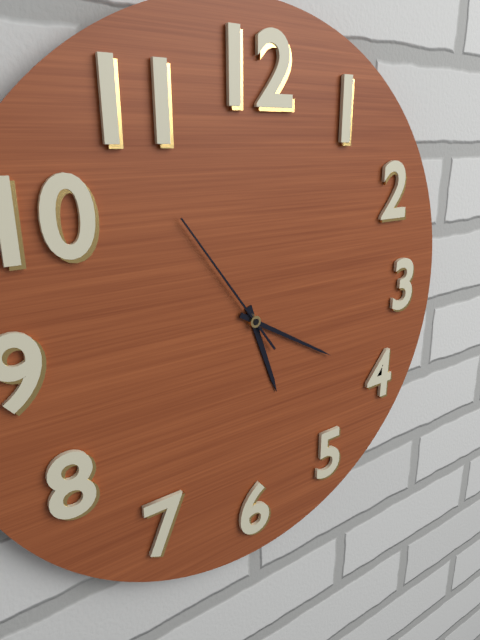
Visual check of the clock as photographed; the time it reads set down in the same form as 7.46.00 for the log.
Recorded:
5.20.54
